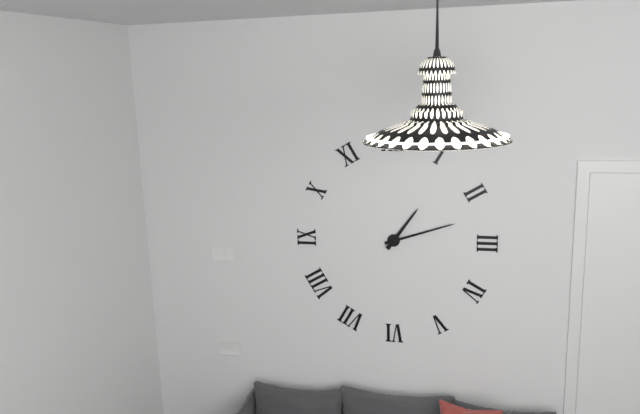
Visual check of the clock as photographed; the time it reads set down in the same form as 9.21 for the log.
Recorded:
1.12
